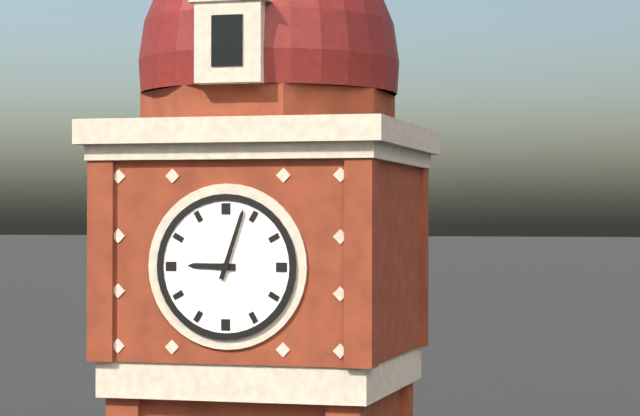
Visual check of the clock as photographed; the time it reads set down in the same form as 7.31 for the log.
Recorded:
9.03
